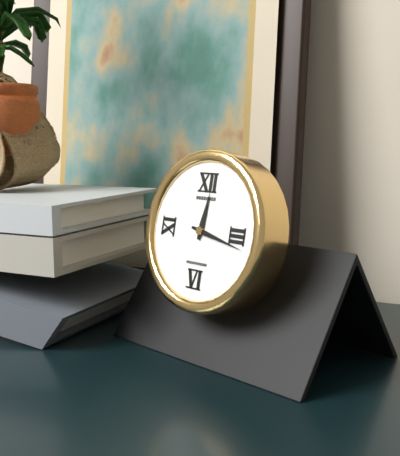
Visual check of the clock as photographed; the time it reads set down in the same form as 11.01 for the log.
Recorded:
12.17
